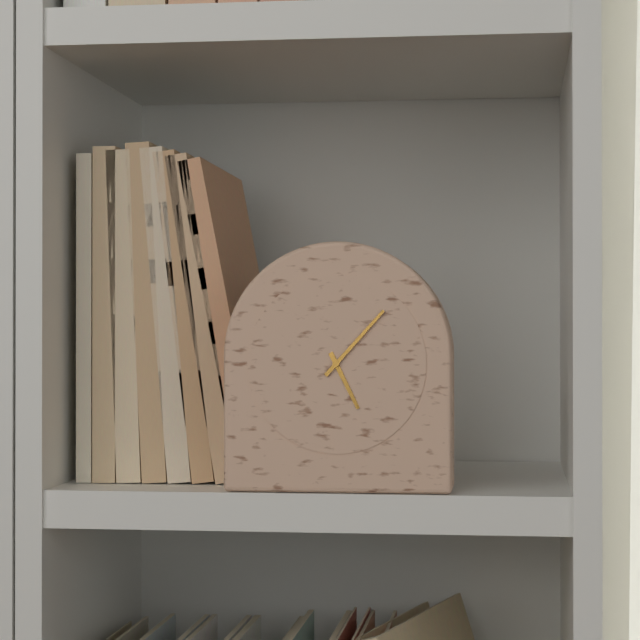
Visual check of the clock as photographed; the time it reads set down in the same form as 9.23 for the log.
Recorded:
5.07
